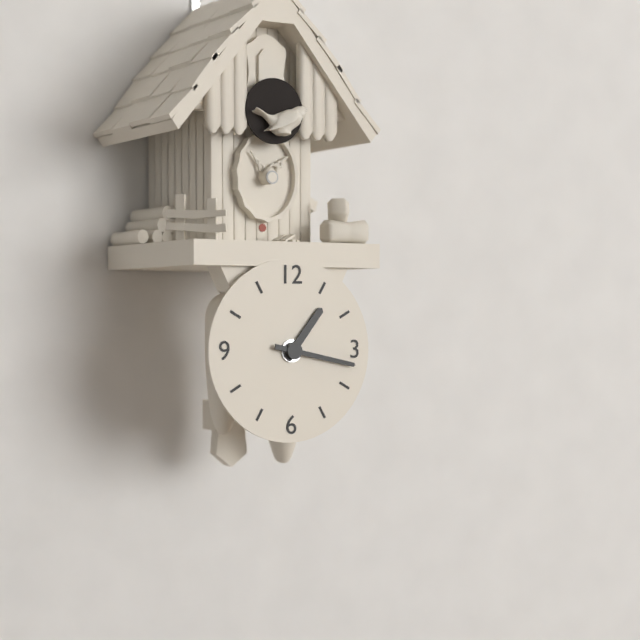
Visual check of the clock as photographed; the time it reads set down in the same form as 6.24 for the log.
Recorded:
1.17
